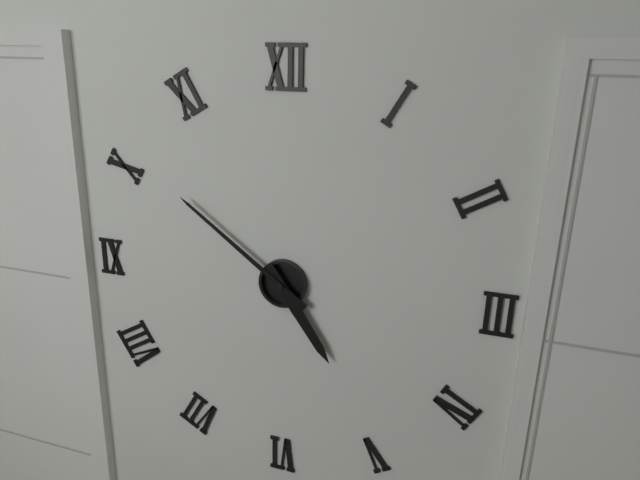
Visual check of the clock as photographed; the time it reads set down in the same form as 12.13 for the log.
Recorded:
4.51
